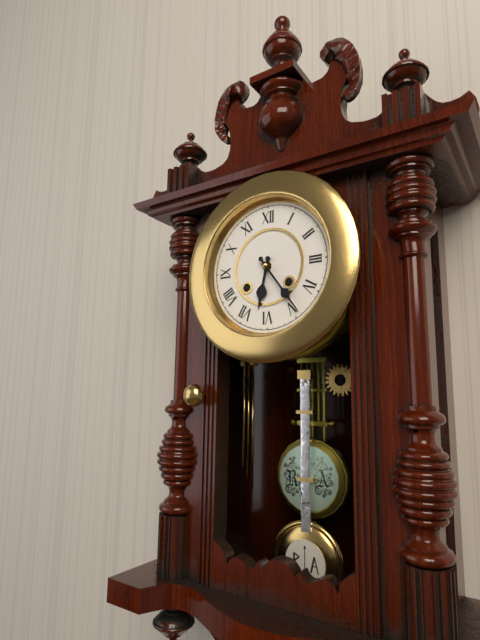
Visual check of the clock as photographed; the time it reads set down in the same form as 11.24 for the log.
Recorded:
6.24
